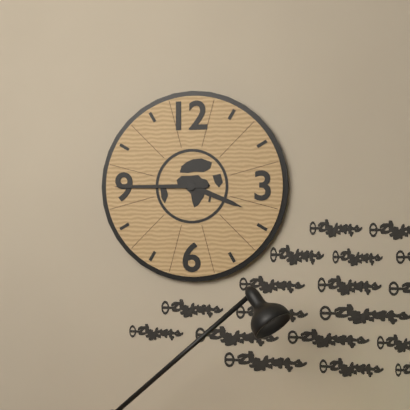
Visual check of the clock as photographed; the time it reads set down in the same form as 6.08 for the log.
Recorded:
3.45
